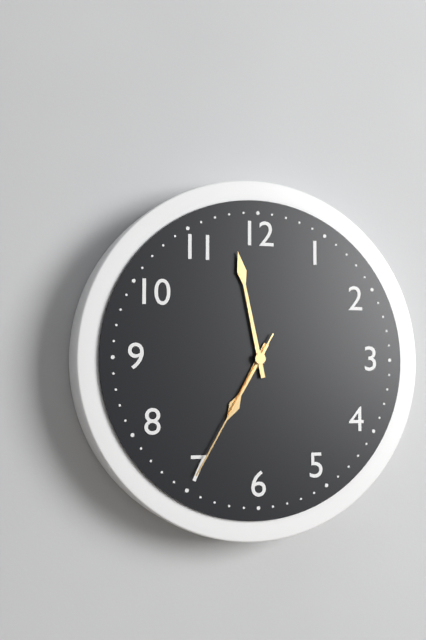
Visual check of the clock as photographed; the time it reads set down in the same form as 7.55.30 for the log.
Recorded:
6.58.35
